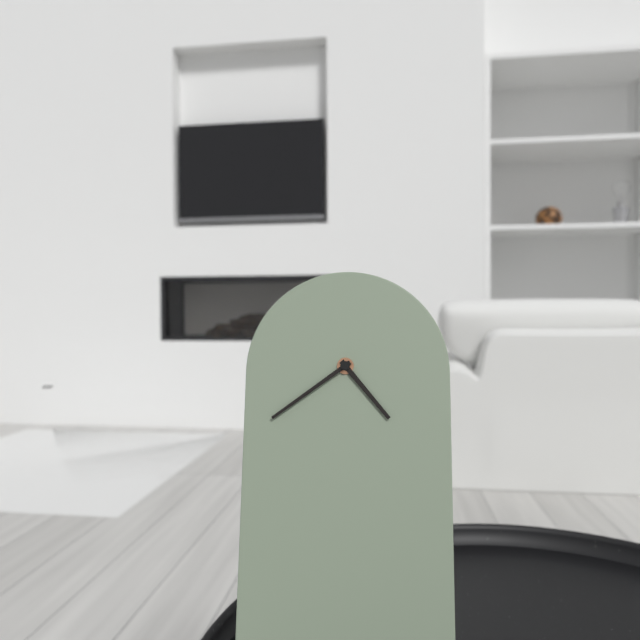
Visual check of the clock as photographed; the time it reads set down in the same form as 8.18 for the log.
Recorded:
4.39
